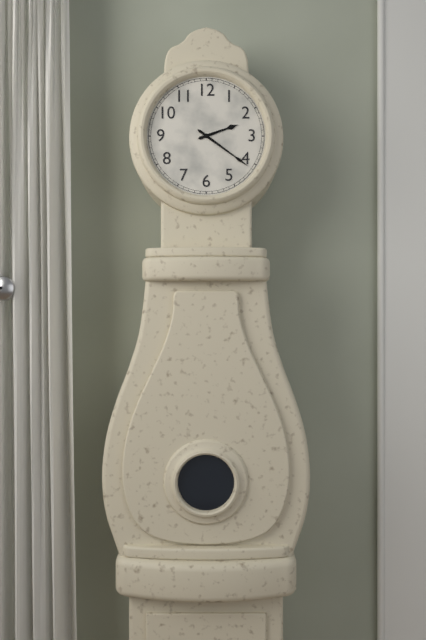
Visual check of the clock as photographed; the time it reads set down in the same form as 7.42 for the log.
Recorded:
2.21
